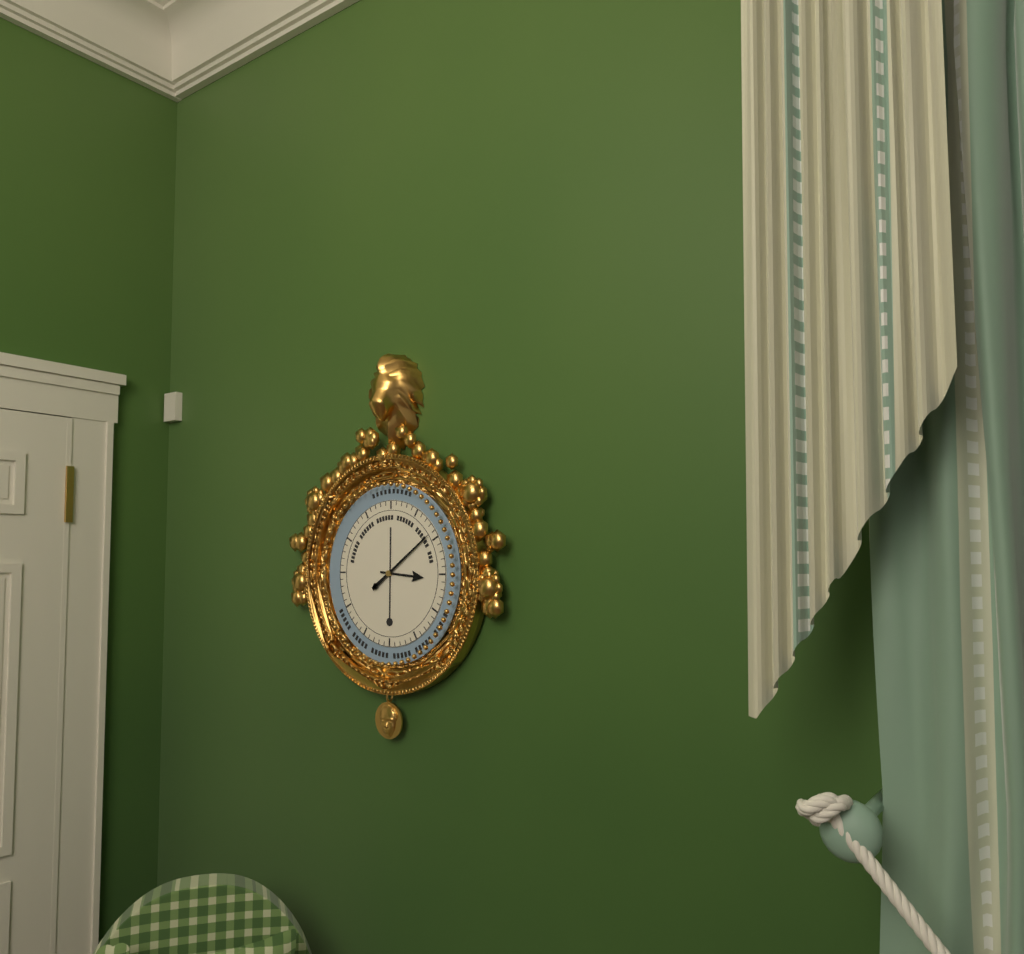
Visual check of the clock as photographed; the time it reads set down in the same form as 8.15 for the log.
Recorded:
3.09
